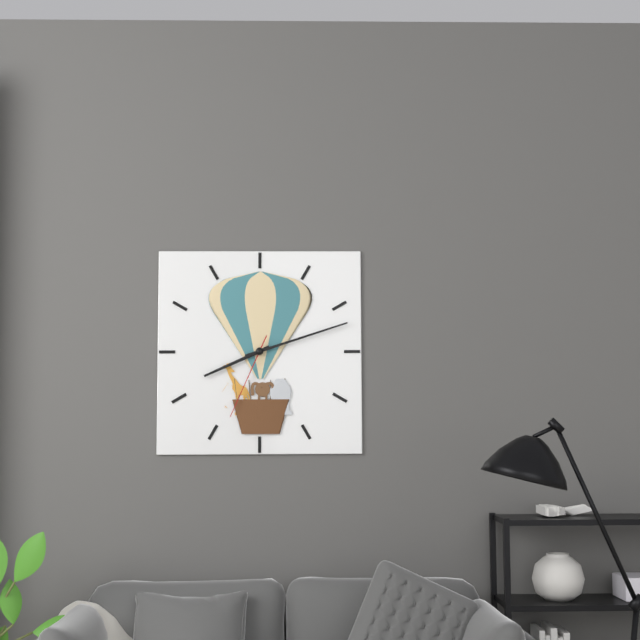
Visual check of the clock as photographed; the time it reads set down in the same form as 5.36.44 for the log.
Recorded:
8.12.34
